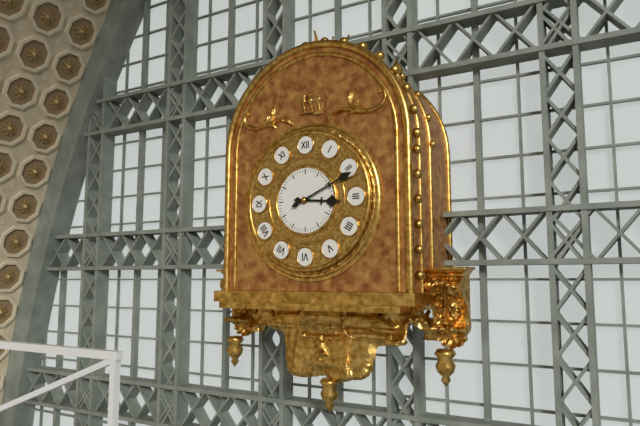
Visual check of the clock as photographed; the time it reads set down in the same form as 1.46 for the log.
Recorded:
3.11
